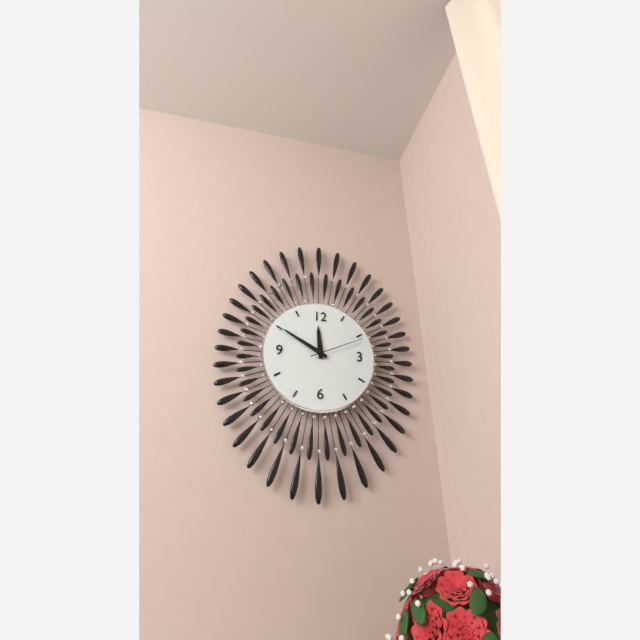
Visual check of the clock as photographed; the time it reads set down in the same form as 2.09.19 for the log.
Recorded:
11.50.11
